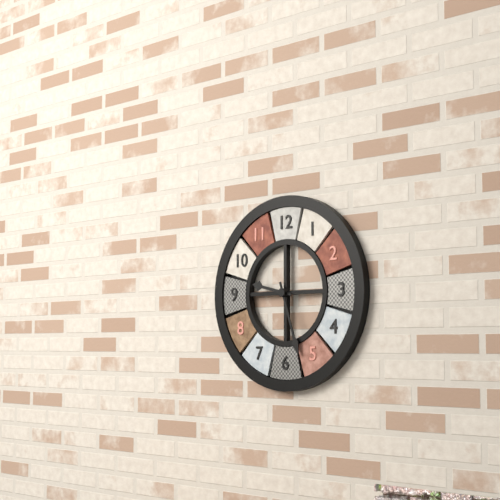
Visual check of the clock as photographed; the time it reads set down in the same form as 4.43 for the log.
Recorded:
9.27
